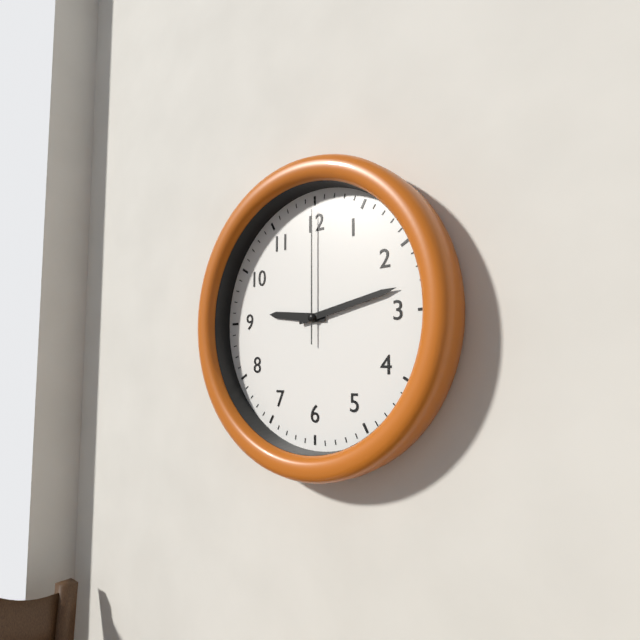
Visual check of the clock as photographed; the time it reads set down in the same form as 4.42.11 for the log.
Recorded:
9.13.00
